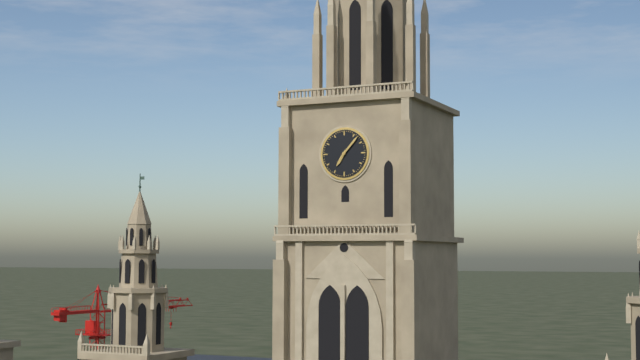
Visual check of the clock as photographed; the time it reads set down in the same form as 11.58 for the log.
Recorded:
7.07
